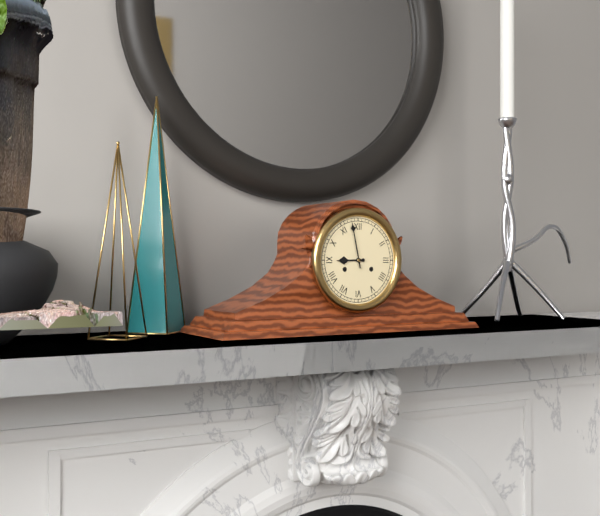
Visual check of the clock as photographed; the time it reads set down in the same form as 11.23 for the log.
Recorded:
8.58
